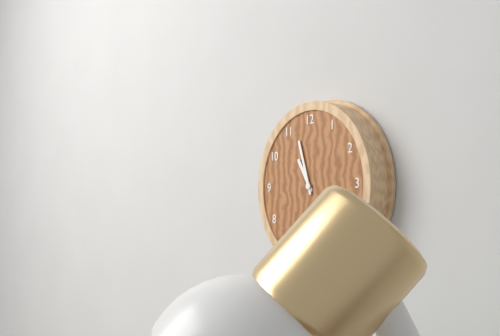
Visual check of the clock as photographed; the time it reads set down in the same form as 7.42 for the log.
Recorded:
10.57
